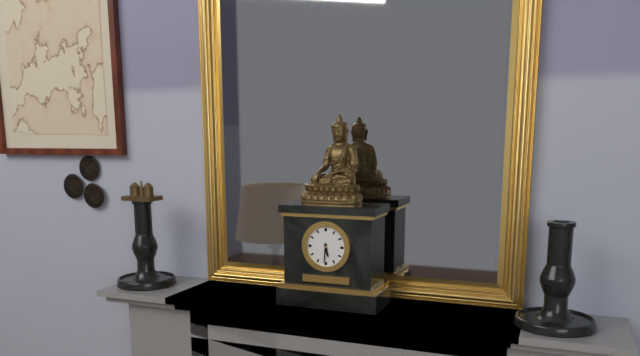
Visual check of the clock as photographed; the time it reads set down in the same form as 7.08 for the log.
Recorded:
5.31
